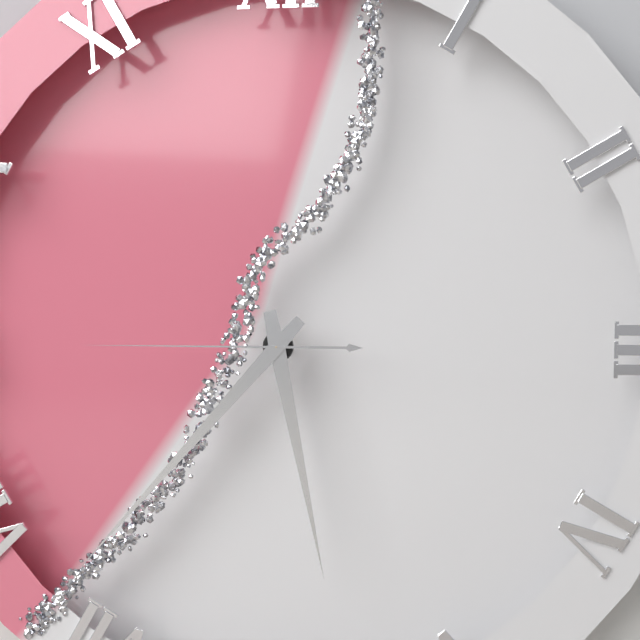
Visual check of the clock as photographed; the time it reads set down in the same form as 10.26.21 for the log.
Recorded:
5.37.45
